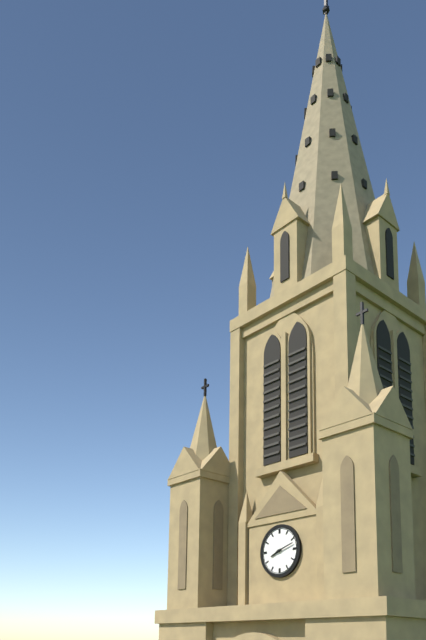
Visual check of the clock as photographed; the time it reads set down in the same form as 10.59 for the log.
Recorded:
8.12
